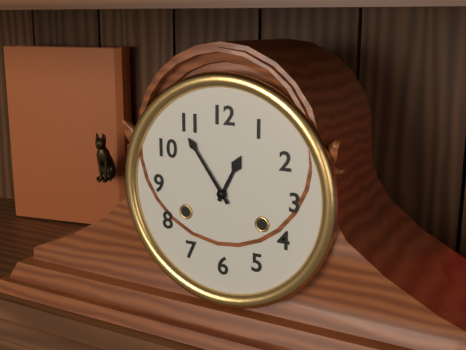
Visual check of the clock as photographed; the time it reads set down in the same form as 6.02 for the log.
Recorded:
12.54
